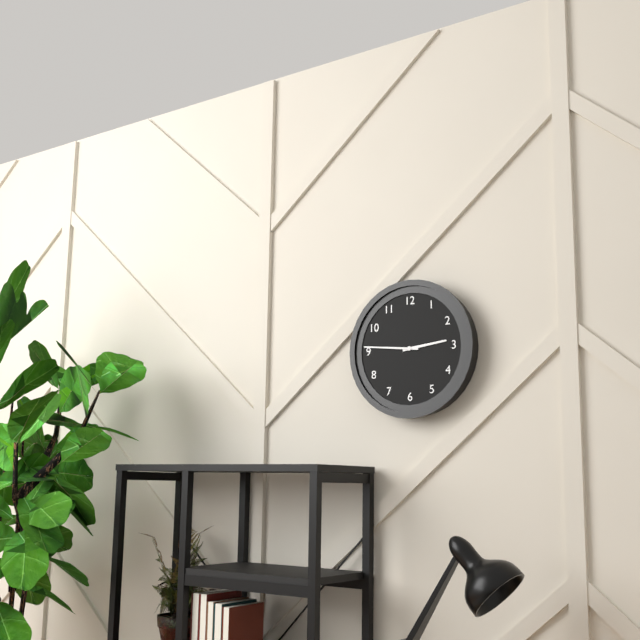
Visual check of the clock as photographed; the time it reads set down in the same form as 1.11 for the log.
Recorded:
2.46
